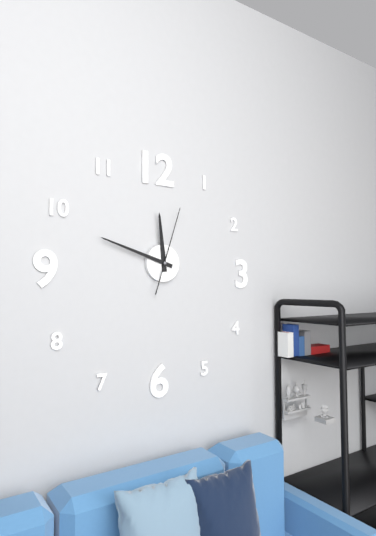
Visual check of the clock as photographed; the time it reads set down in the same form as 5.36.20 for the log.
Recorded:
11.48.03
